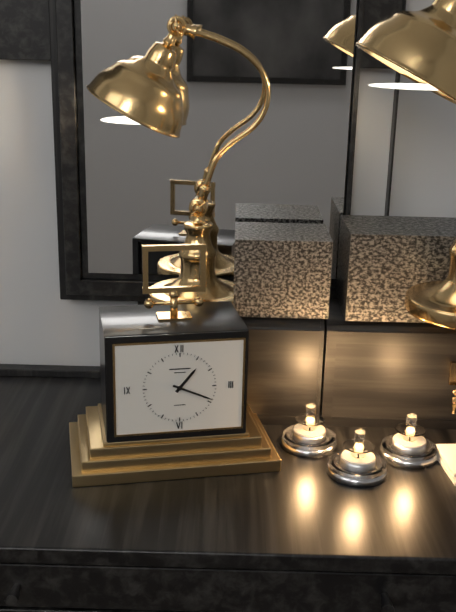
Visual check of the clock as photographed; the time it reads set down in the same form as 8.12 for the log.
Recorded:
1.19
